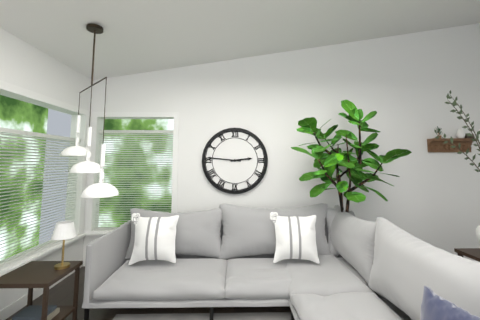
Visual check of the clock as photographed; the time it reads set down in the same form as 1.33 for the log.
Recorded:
2.46
